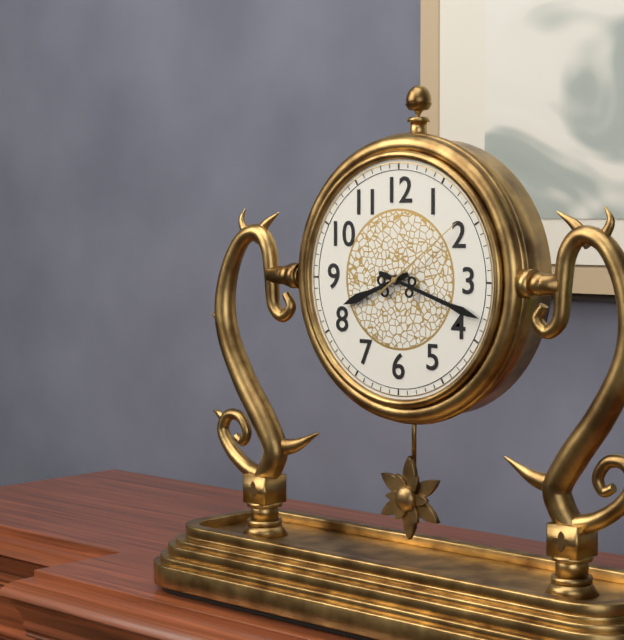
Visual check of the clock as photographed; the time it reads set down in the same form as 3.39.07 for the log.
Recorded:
8.18.09
